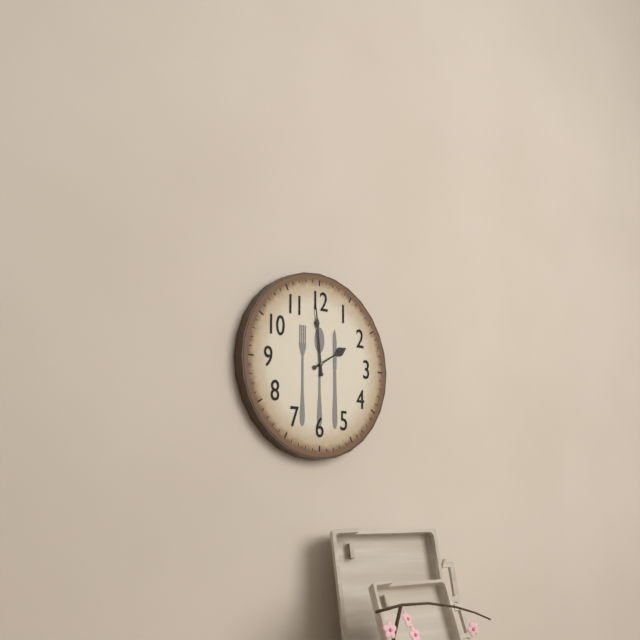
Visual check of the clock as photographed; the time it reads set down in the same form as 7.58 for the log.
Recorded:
1.59
